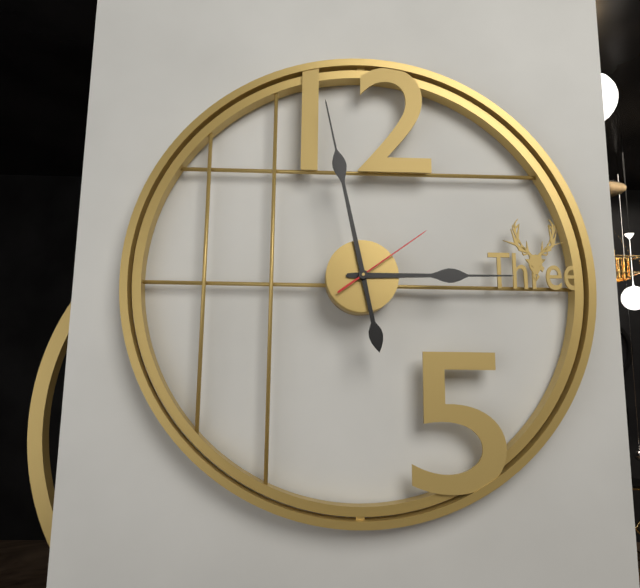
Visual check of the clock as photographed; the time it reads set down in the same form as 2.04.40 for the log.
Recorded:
2.58.09
